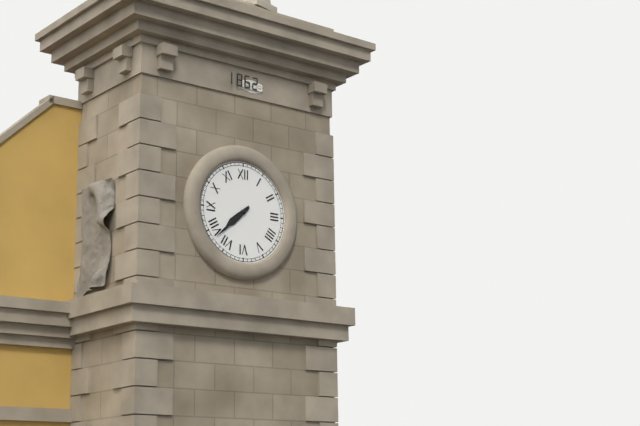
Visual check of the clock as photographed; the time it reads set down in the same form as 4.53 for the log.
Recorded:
7.38
